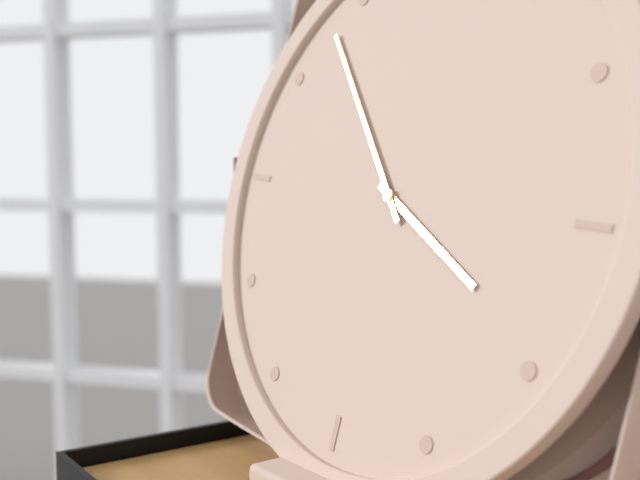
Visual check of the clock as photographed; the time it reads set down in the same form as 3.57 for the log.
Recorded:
3.53
